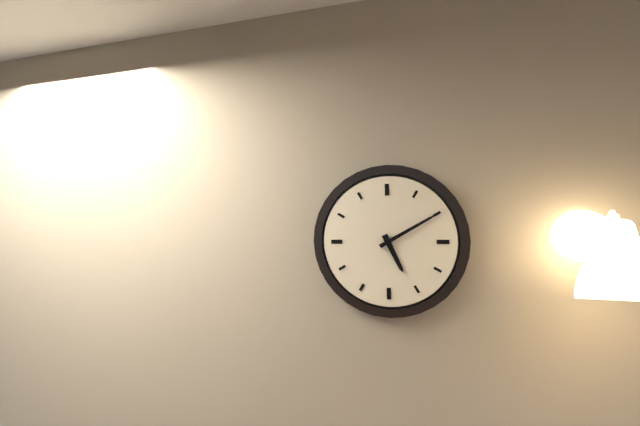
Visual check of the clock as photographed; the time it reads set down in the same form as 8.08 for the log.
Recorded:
5.10
